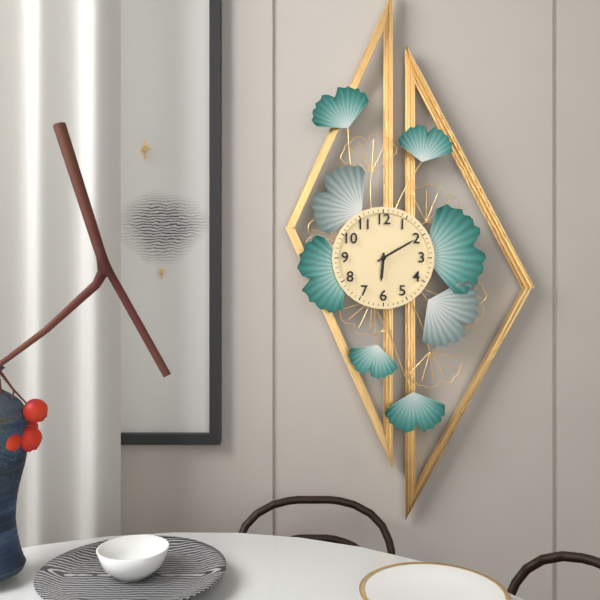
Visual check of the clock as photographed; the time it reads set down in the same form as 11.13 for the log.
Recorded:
6.10
